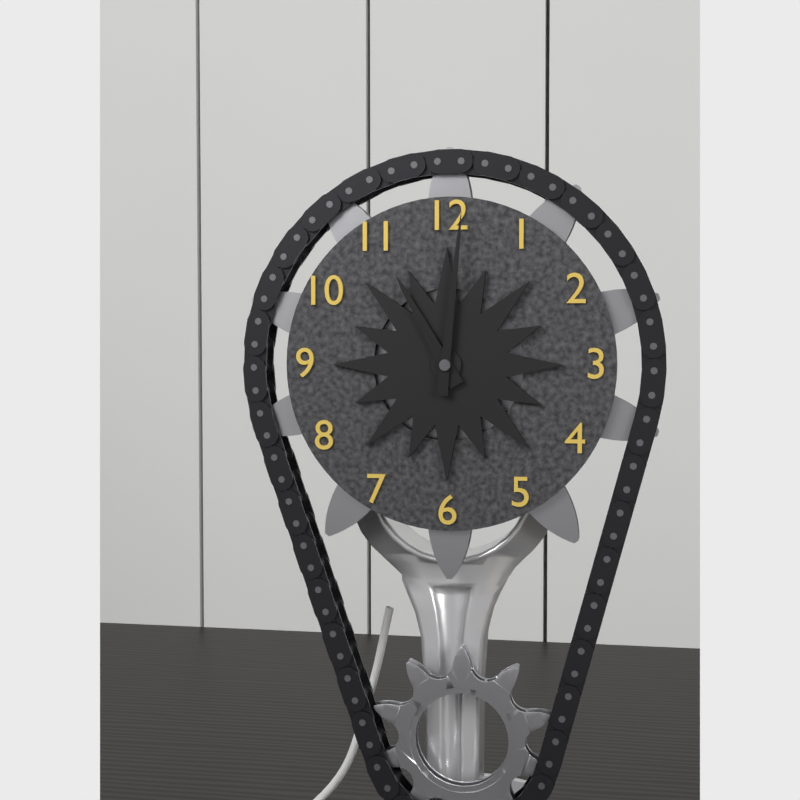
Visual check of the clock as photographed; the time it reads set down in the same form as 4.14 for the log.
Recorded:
11.01
